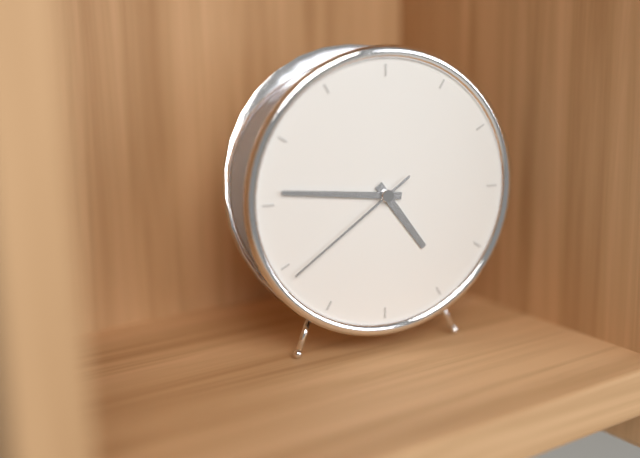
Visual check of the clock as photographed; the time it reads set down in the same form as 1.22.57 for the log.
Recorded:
4.46.39
